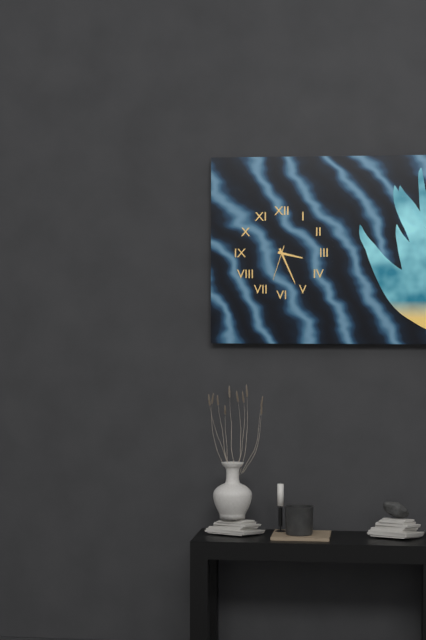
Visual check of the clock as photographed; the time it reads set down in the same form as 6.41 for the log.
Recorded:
3.26
